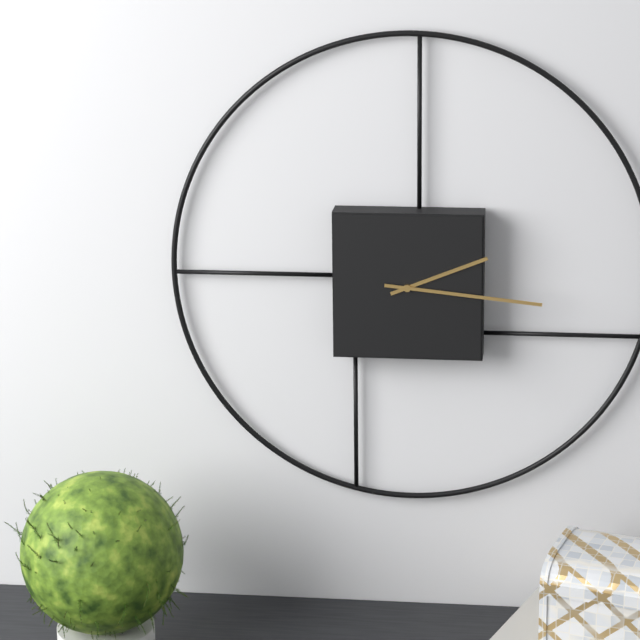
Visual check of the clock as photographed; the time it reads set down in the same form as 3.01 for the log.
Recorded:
2.16
